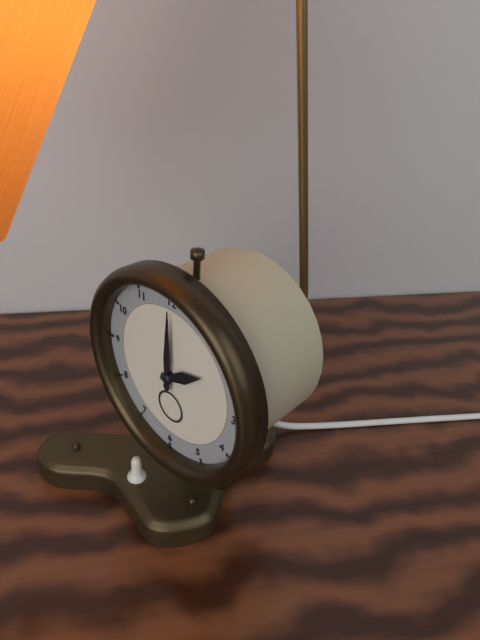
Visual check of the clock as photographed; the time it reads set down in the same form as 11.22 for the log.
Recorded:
2.00
